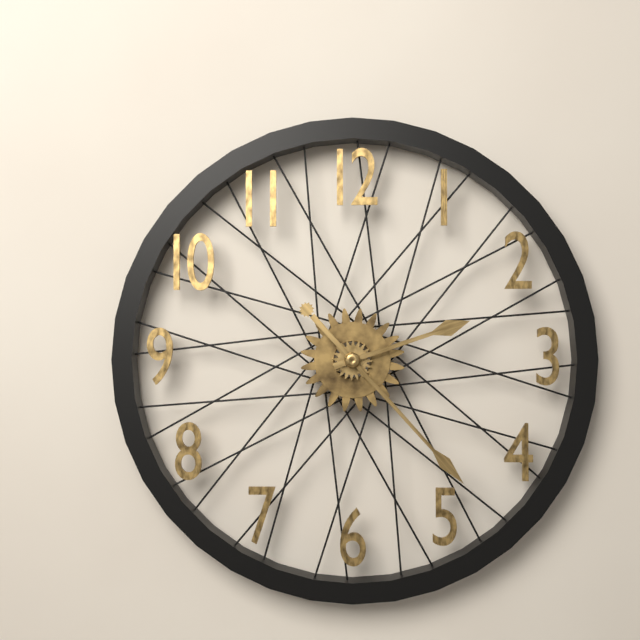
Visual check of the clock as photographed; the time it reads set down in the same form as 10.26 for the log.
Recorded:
2.23
